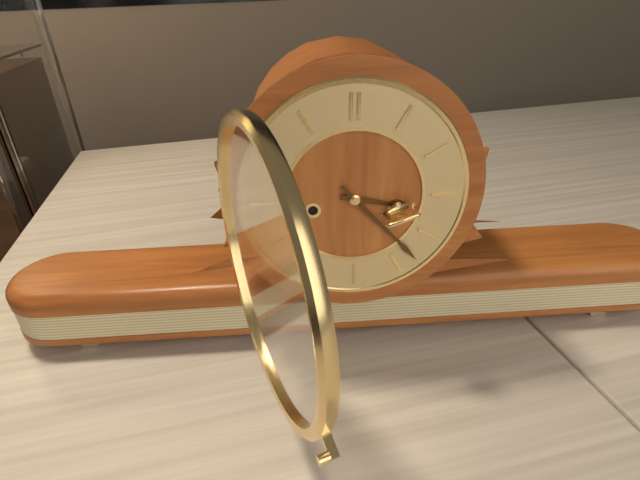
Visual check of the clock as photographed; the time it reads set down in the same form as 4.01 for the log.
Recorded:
3.23
